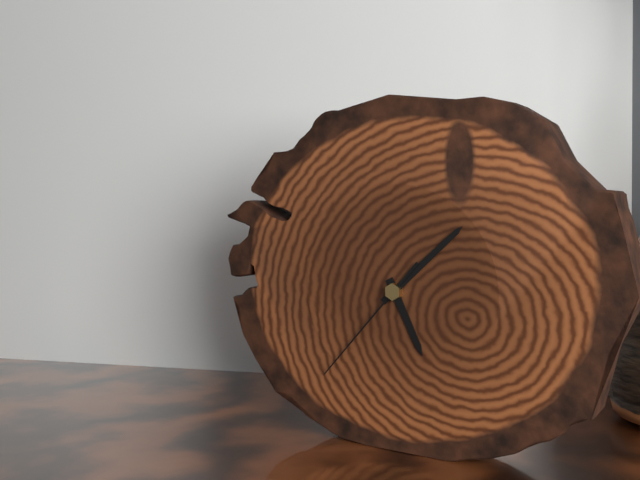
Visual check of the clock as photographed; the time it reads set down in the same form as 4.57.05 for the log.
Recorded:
5.08.37
